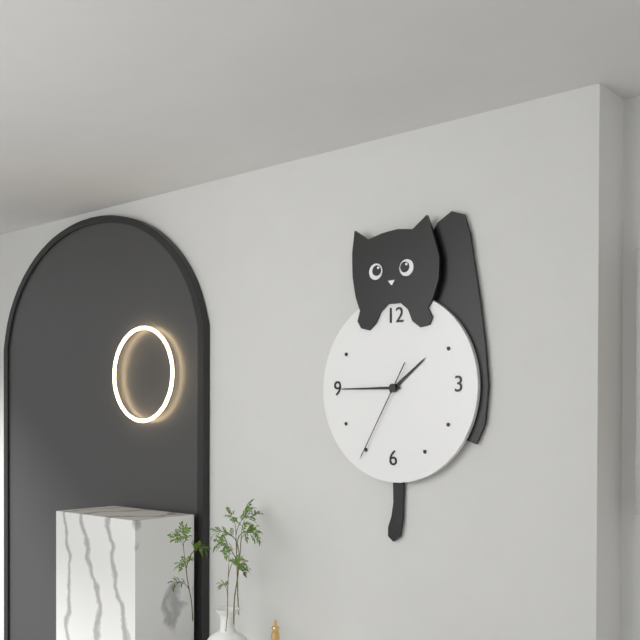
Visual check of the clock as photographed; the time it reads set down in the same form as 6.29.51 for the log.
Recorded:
1.45.35
